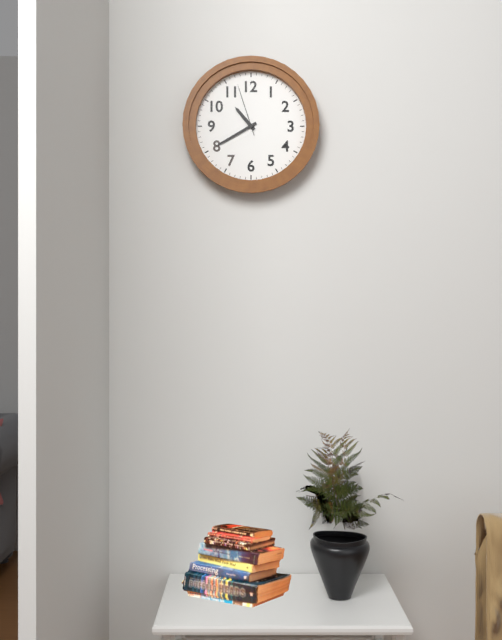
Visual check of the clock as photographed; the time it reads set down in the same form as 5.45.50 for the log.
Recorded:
10.40.57
